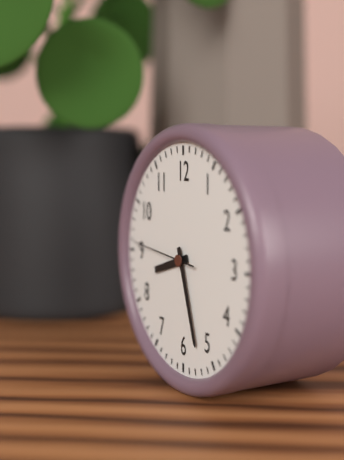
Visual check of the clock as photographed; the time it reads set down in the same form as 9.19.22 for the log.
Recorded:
8.27.46
